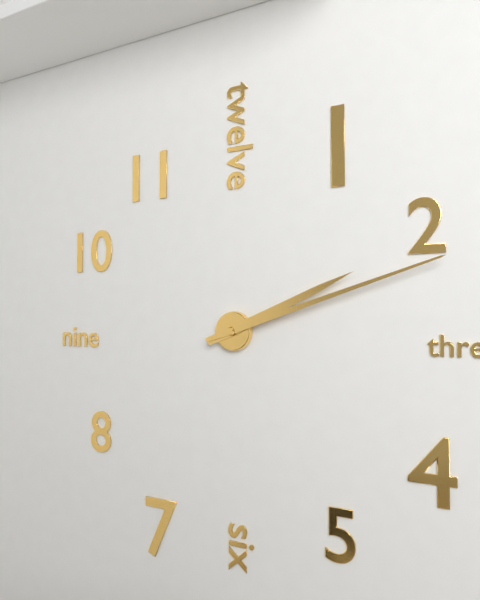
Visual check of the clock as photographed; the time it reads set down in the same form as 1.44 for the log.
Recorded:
2.12
